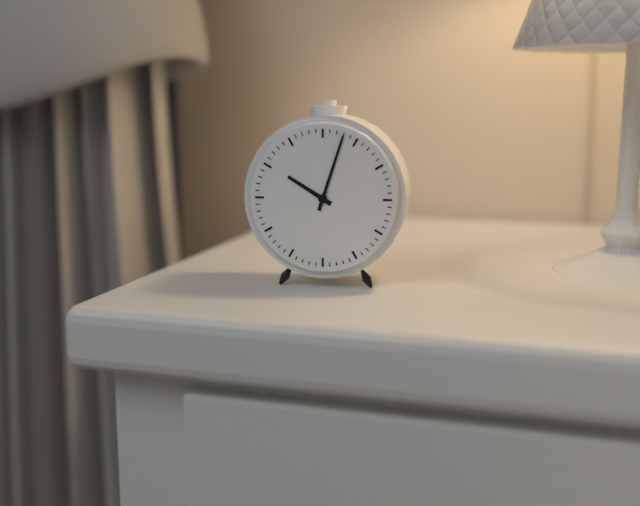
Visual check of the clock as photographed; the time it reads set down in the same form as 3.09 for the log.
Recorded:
10.03
